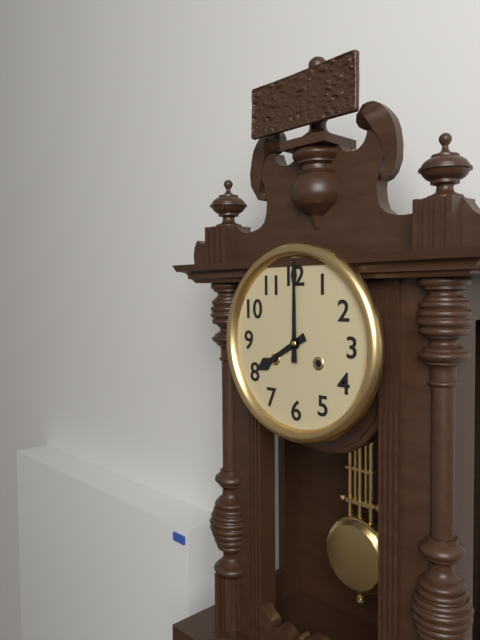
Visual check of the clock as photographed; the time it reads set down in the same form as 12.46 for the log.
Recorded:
8.00
